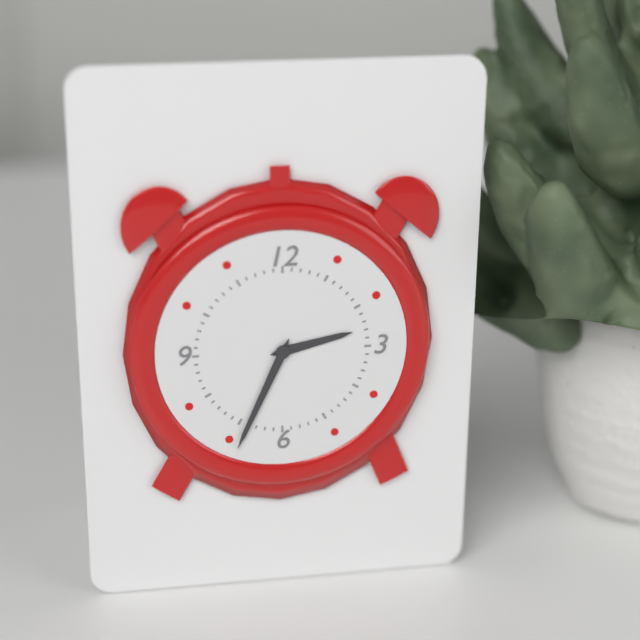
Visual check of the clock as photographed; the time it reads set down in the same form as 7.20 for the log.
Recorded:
2.34
